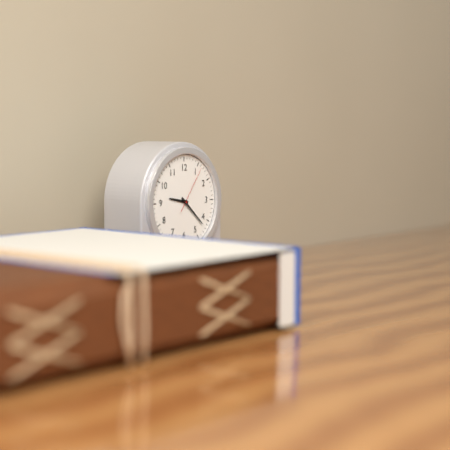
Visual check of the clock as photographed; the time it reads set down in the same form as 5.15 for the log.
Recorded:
9.22
